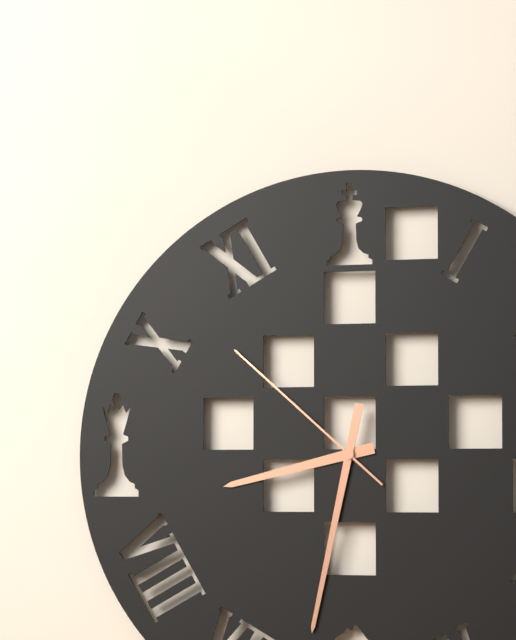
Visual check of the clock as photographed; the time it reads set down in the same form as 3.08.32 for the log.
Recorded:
8.32.52
